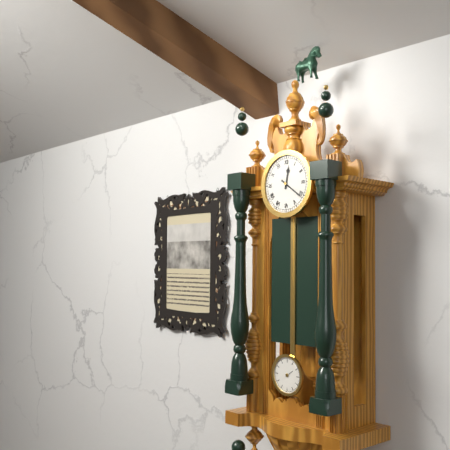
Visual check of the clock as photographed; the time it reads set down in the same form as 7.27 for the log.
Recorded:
12.21
